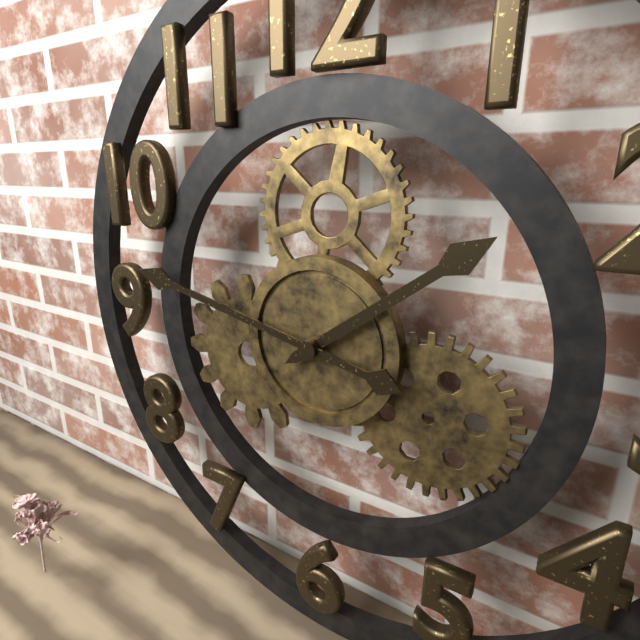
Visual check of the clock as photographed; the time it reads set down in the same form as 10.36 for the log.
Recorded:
1.47
